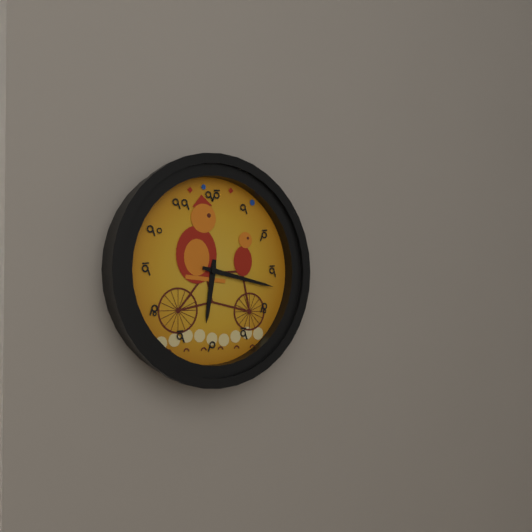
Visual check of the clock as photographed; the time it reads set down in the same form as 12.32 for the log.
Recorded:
6.17
